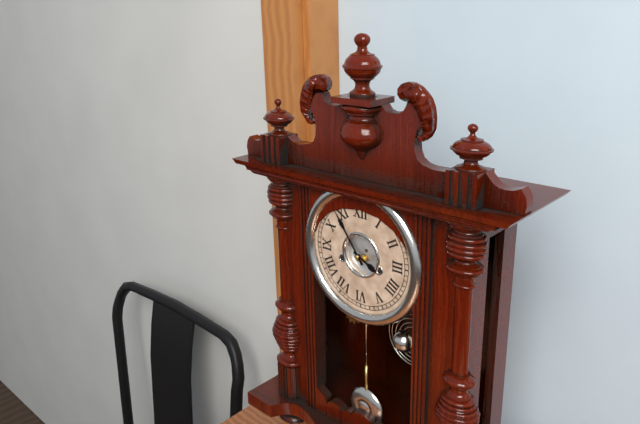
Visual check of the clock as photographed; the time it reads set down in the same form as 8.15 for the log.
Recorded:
3.54
